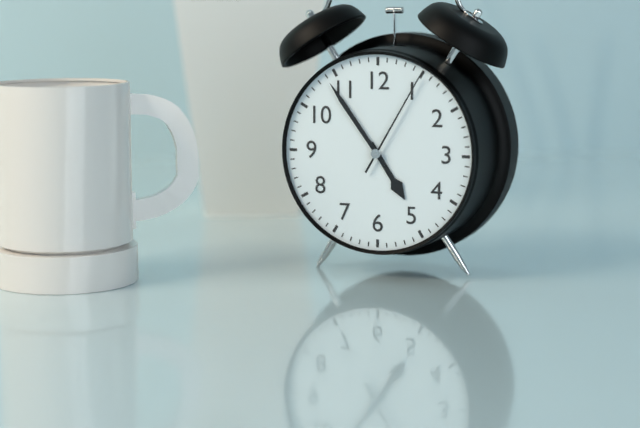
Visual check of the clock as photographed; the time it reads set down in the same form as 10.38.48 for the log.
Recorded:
4.54.05
